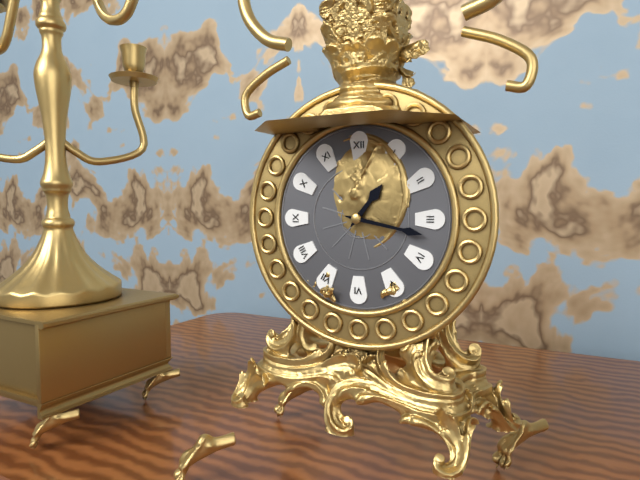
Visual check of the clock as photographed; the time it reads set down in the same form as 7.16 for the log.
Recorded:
1.17
